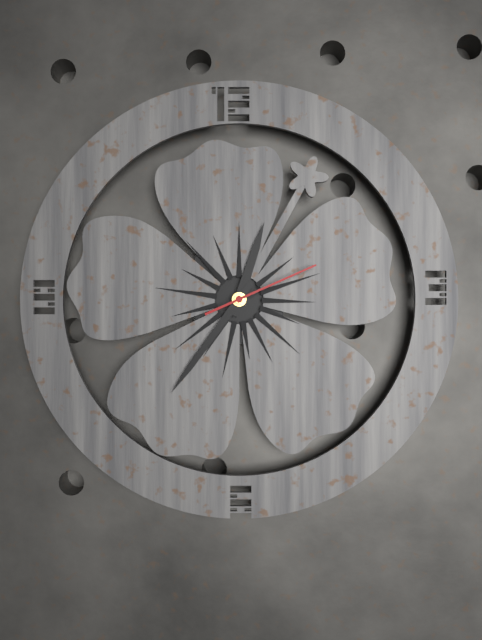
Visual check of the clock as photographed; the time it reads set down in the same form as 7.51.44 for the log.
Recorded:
12.36.11
